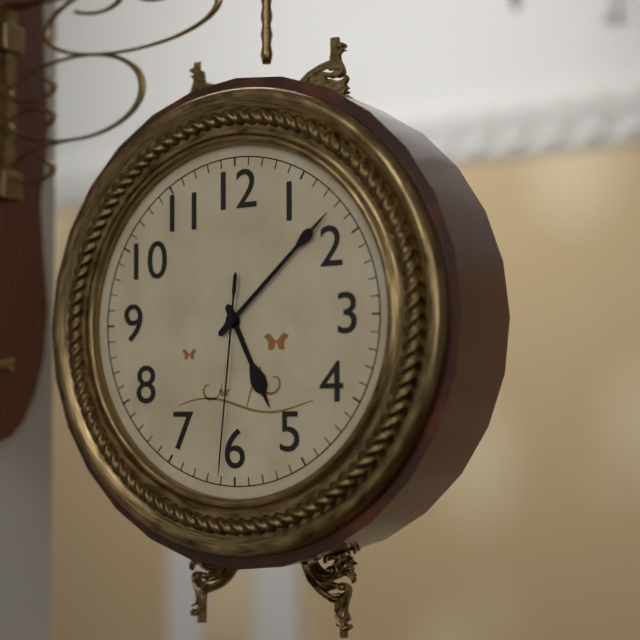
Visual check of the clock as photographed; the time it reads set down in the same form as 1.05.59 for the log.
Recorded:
5.08.31
